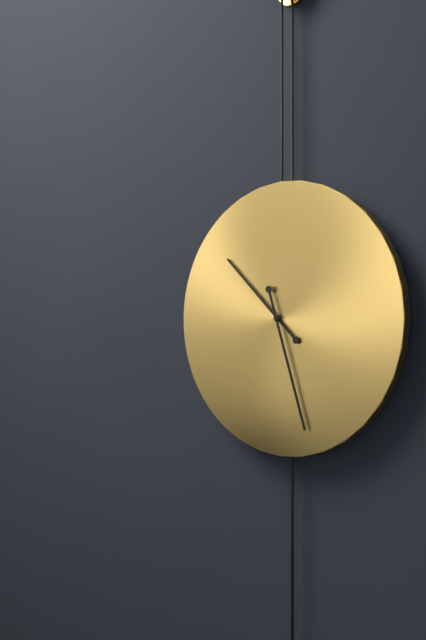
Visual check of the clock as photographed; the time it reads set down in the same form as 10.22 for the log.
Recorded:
10.27
